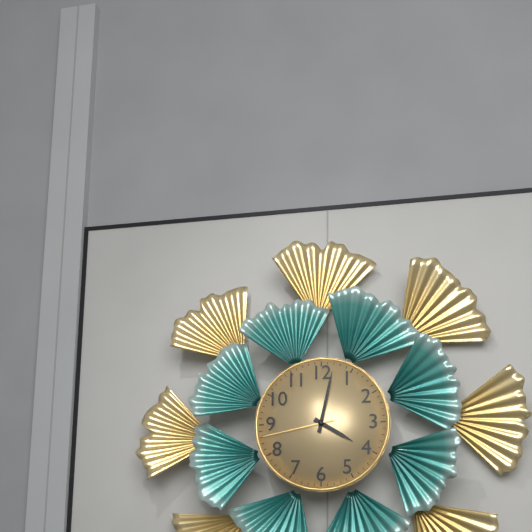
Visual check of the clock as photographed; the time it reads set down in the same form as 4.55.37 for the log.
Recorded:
4.02.43
